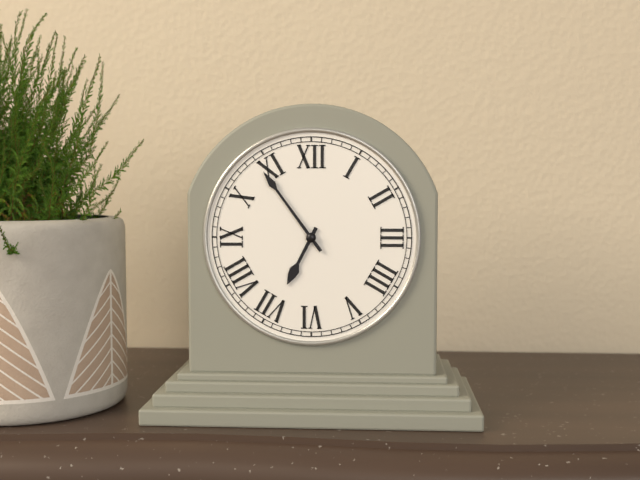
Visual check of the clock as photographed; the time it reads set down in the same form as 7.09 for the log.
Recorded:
6.54
